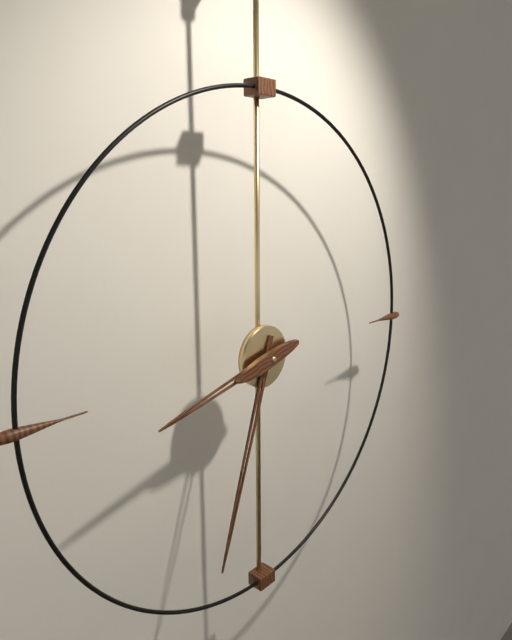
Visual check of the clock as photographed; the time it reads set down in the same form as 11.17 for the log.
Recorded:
8.33
